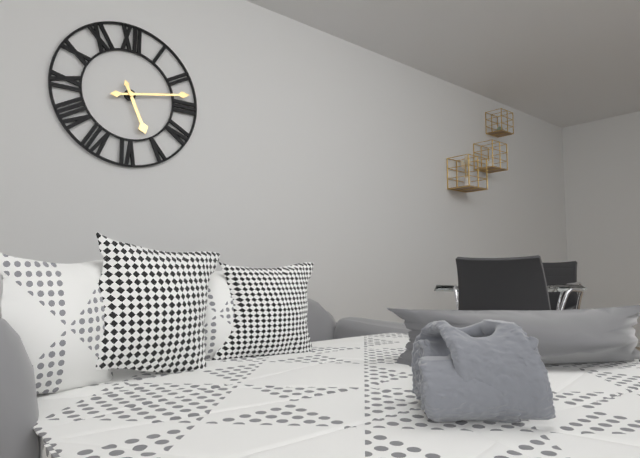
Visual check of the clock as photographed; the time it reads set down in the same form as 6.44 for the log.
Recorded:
5.13
